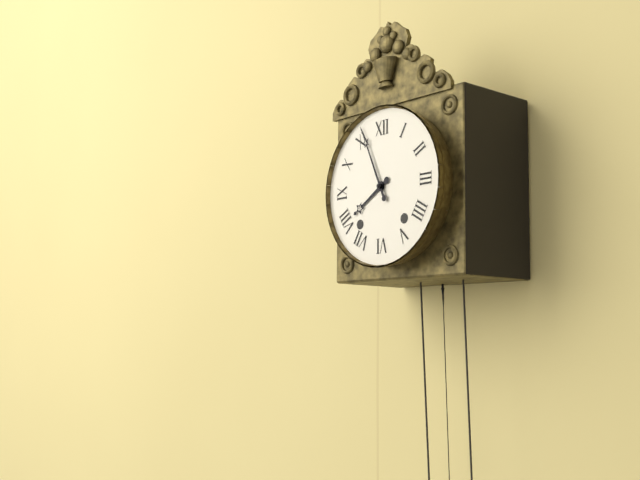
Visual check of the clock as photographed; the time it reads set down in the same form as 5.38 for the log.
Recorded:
7.56
